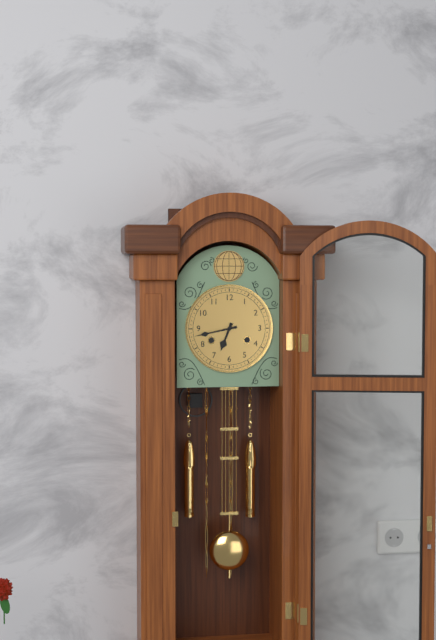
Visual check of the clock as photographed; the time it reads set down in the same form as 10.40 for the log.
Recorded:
6.43
